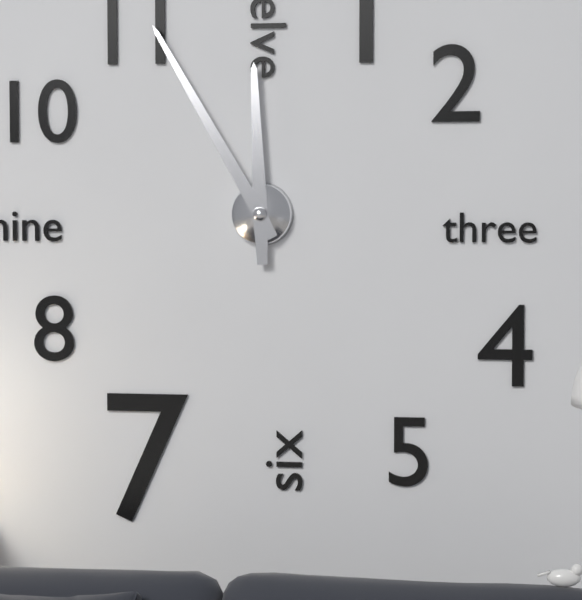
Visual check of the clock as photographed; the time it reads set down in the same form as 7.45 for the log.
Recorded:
11.55
